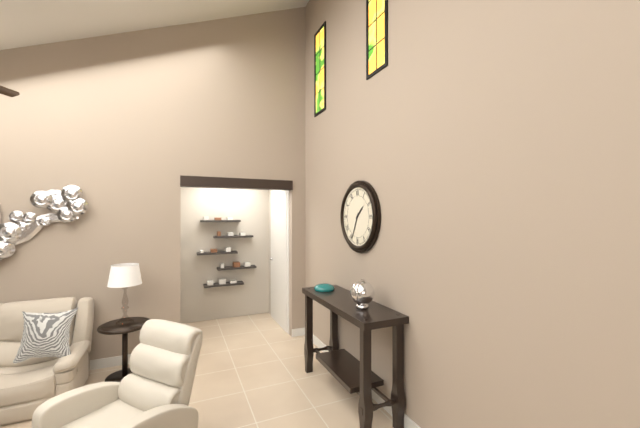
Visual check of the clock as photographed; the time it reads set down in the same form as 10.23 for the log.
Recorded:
1.34
